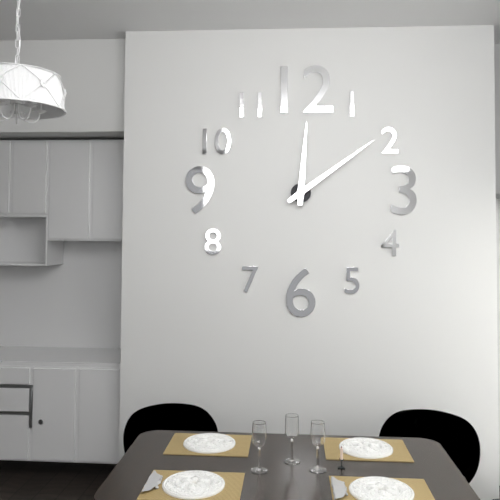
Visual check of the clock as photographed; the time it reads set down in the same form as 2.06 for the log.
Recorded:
12.09
